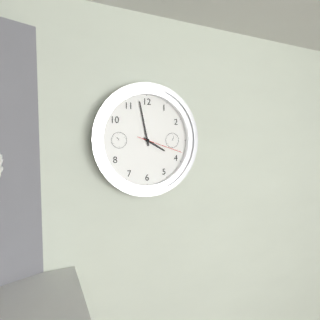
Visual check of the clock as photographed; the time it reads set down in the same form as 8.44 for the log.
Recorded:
3.58
